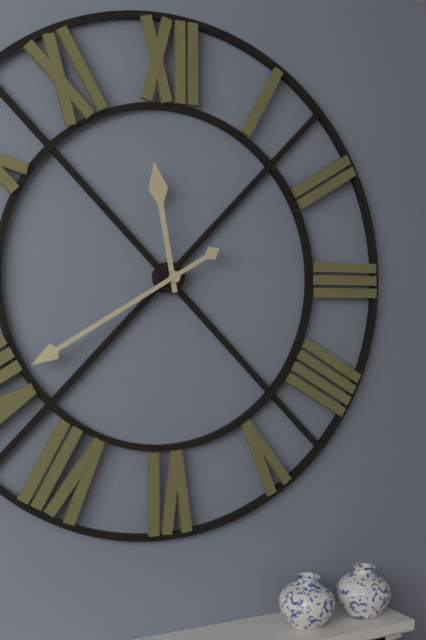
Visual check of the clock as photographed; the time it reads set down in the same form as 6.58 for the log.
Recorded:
11.40
